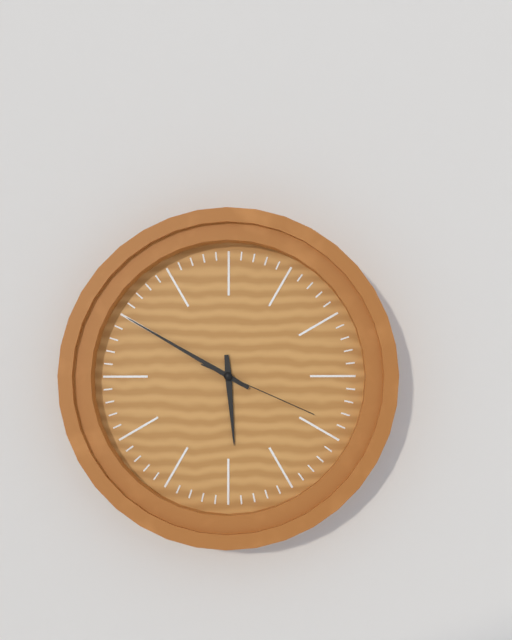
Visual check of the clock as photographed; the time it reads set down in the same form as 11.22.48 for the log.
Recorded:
5.50.19
